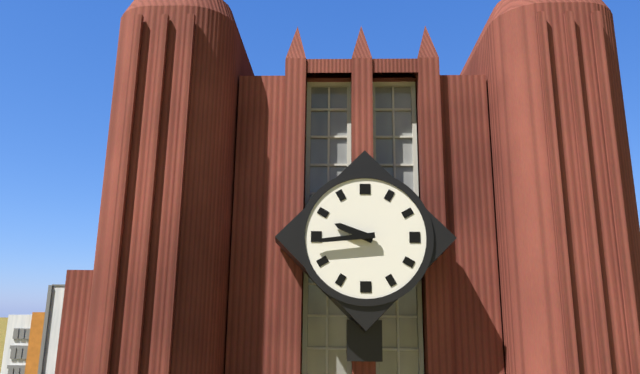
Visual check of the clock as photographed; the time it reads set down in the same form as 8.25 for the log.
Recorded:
9.44
